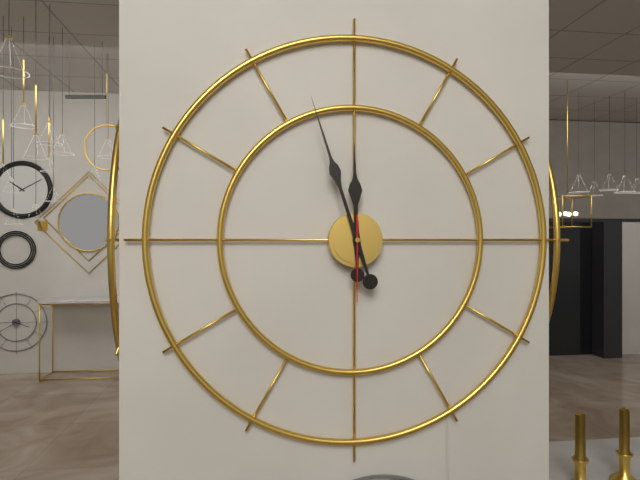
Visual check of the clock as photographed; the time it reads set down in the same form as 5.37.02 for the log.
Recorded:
11.57.30
